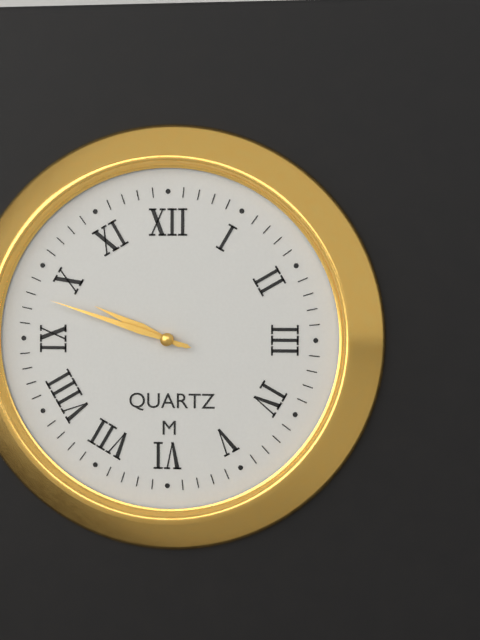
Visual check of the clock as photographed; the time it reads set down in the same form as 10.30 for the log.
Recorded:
9.48
